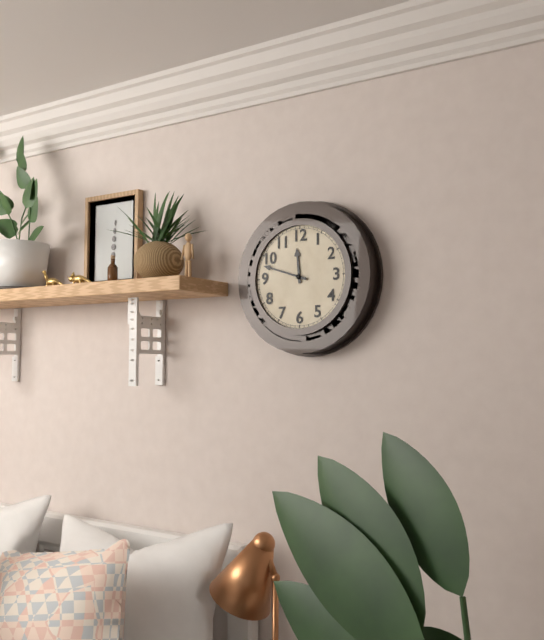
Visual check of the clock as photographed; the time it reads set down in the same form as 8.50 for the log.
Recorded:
11.48
